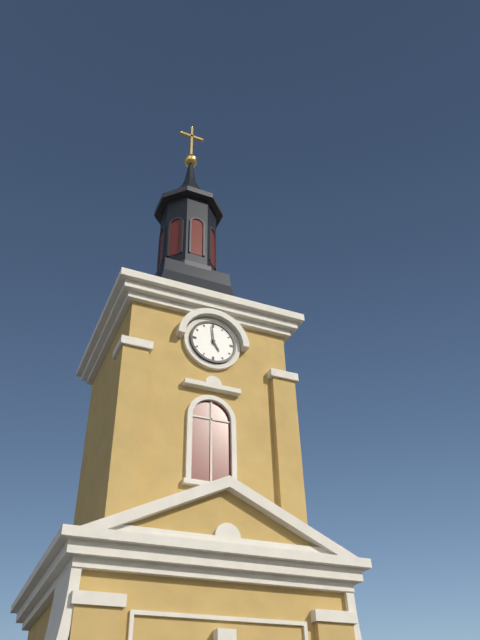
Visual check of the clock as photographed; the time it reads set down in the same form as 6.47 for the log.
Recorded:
4.59
